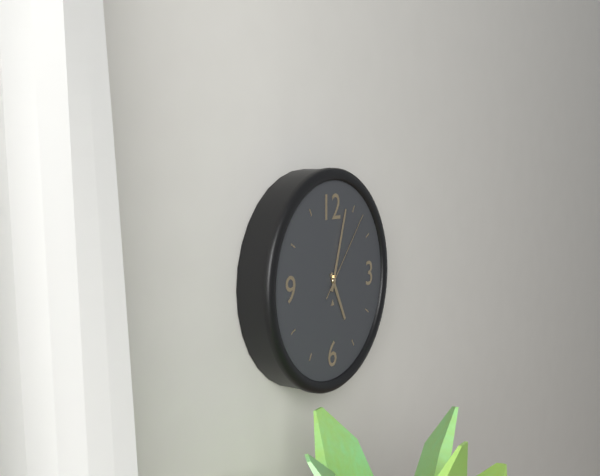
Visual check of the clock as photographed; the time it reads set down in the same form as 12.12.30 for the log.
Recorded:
5.03.07
